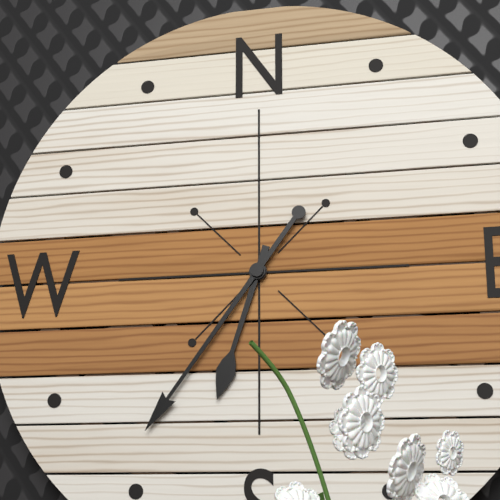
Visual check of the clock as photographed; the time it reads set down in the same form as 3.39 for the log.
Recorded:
6.36
